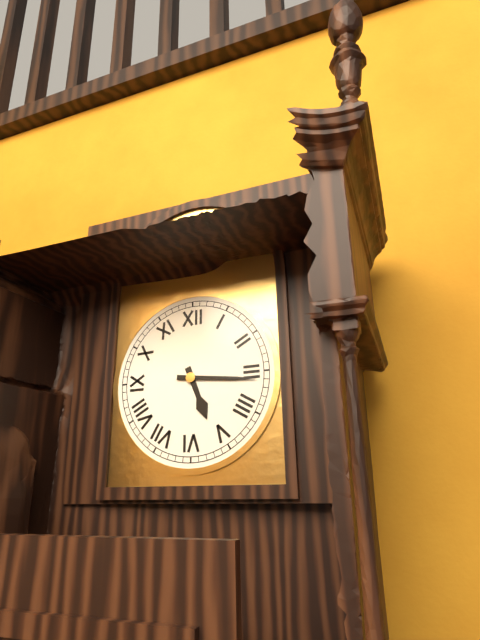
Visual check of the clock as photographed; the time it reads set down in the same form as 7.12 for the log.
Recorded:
5.16
